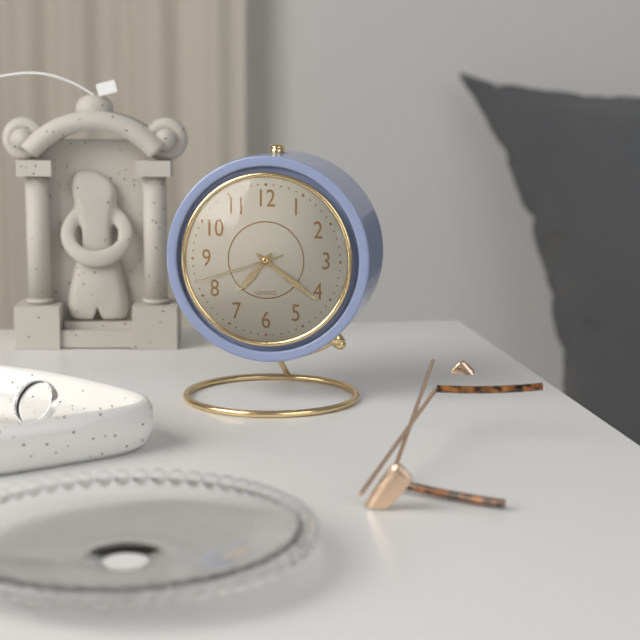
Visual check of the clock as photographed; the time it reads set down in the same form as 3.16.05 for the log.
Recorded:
7.21.42
